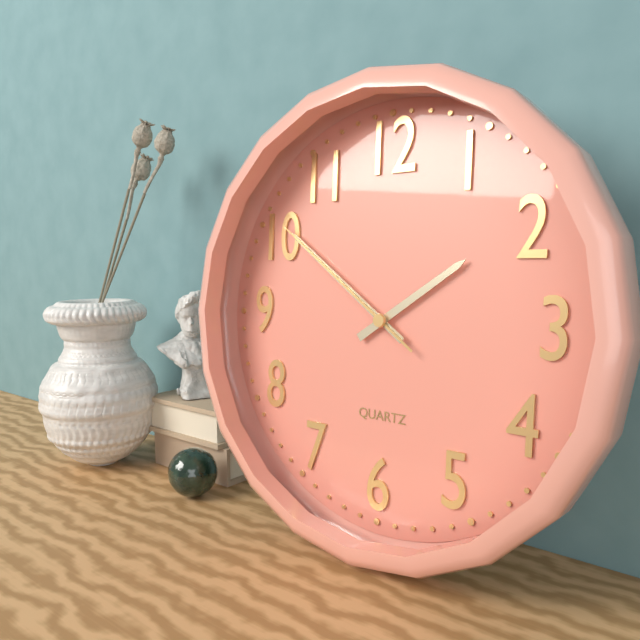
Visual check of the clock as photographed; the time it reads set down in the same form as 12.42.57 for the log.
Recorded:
1.51.51
